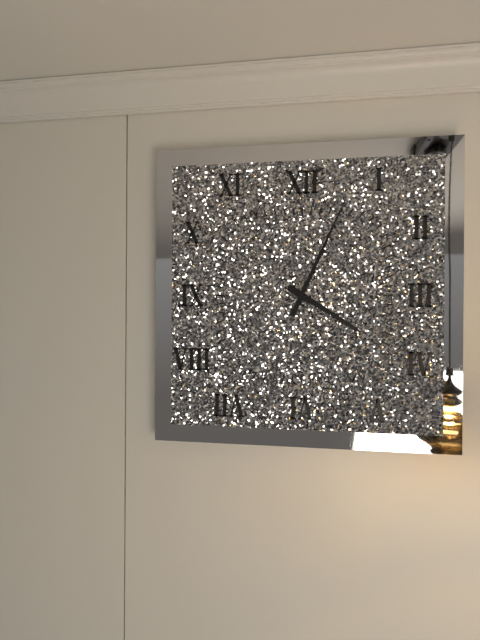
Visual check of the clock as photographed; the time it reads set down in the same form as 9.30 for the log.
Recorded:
4.04
